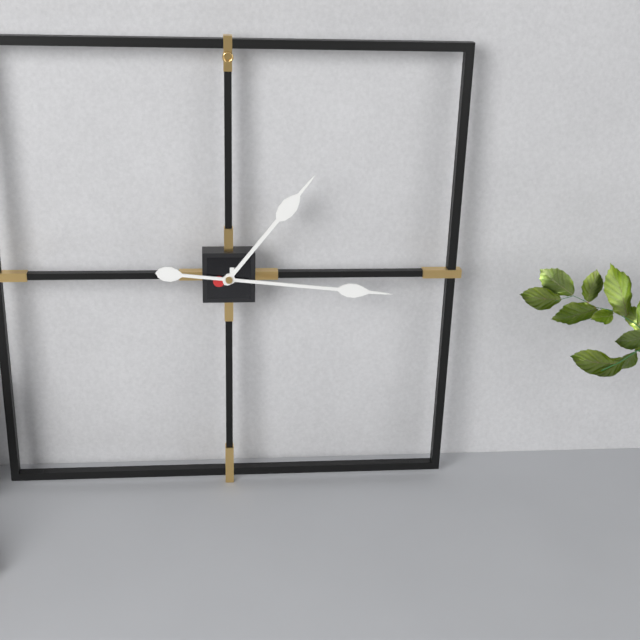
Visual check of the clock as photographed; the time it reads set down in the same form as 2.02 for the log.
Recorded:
1.16
